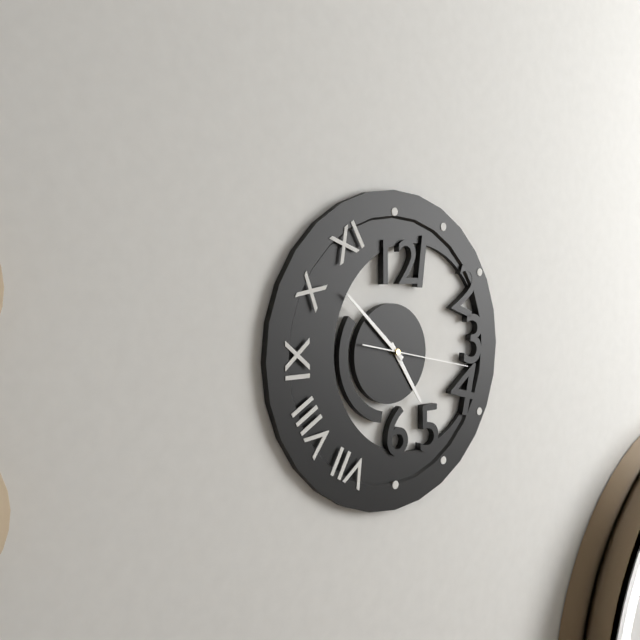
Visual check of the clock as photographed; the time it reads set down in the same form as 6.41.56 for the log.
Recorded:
4.52.17
